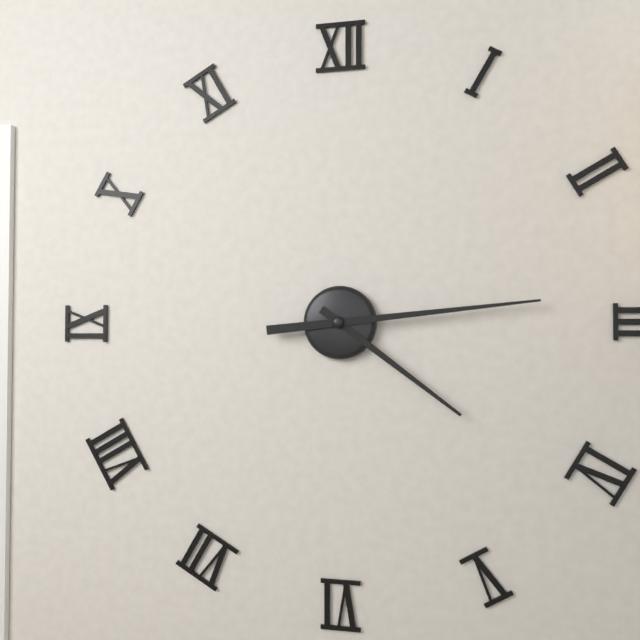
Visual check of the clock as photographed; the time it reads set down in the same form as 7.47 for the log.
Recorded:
4.14
